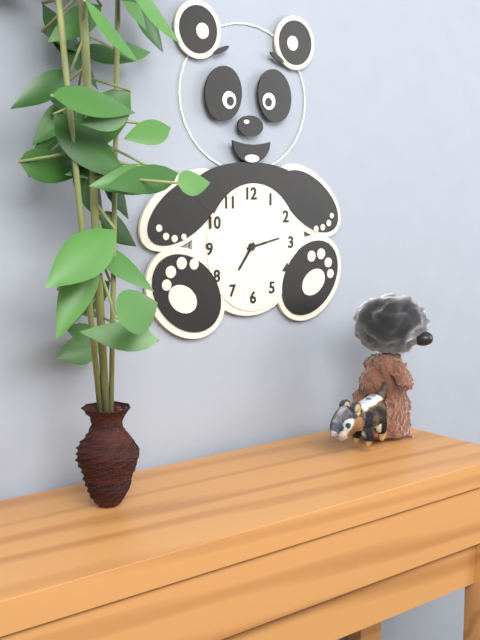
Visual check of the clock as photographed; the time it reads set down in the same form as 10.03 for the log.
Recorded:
7.13
